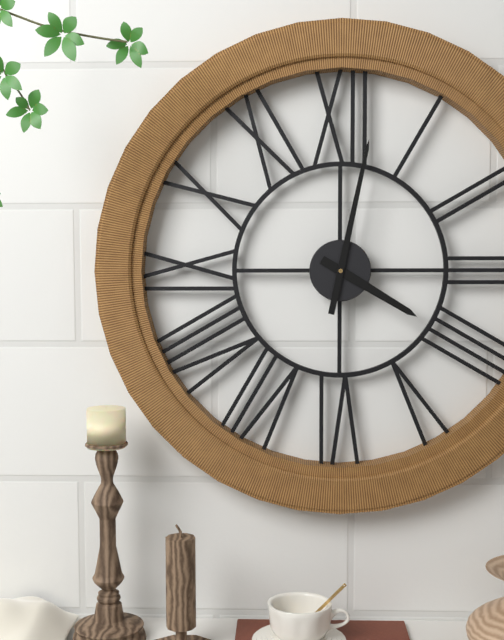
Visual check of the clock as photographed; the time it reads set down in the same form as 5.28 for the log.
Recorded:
4.02
